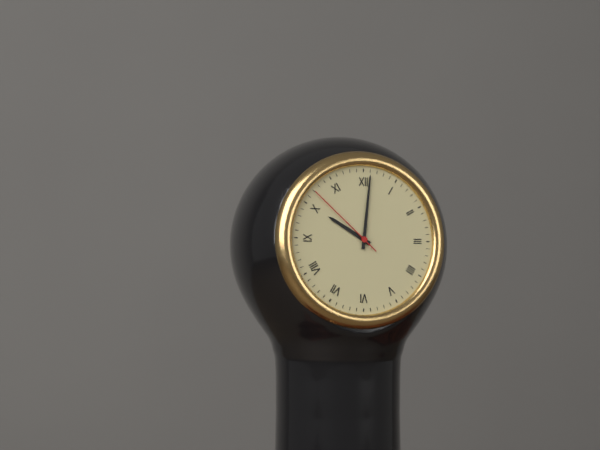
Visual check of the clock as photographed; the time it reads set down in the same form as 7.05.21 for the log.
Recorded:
10.01.52
